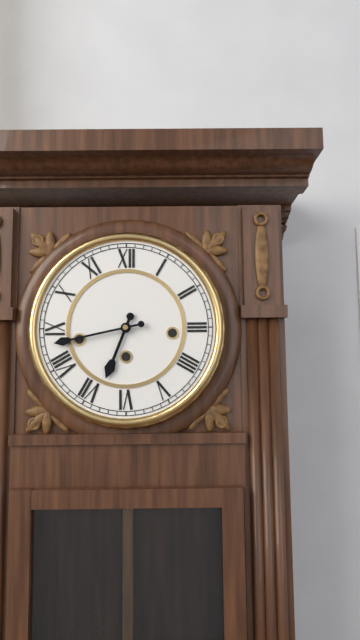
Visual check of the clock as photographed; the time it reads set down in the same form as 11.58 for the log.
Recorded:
6.43
